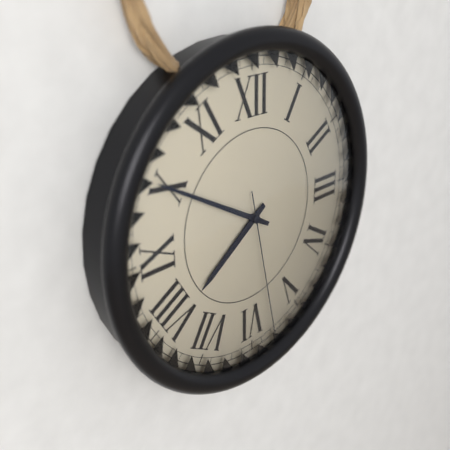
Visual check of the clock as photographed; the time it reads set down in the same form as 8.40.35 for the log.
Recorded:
7.50.28
